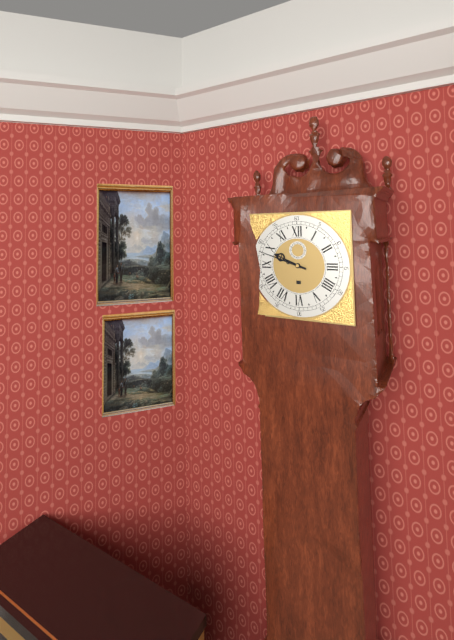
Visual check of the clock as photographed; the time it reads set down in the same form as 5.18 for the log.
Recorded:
9.48
